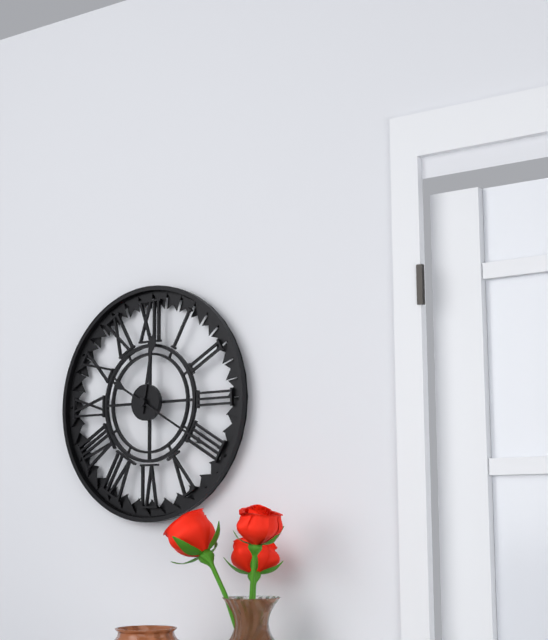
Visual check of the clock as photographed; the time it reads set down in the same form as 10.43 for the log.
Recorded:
12.20
